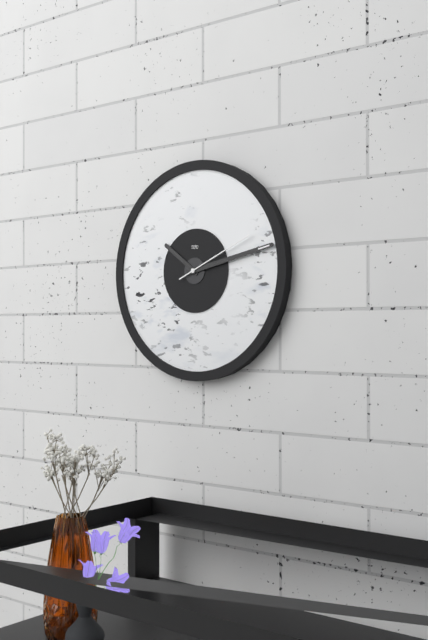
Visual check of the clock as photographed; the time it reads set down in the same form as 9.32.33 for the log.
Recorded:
10.13.11
